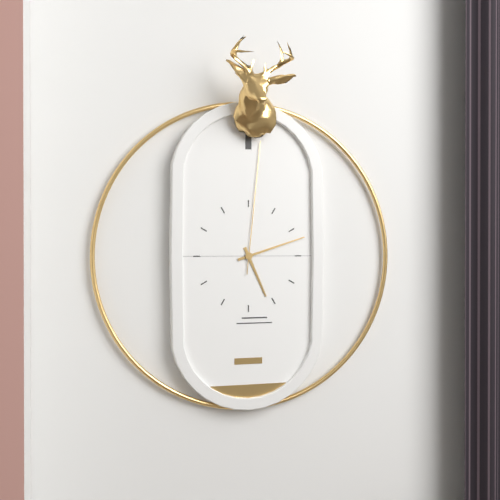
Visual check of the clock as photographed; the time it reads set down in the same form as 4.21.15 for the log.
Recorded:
5.12.01
